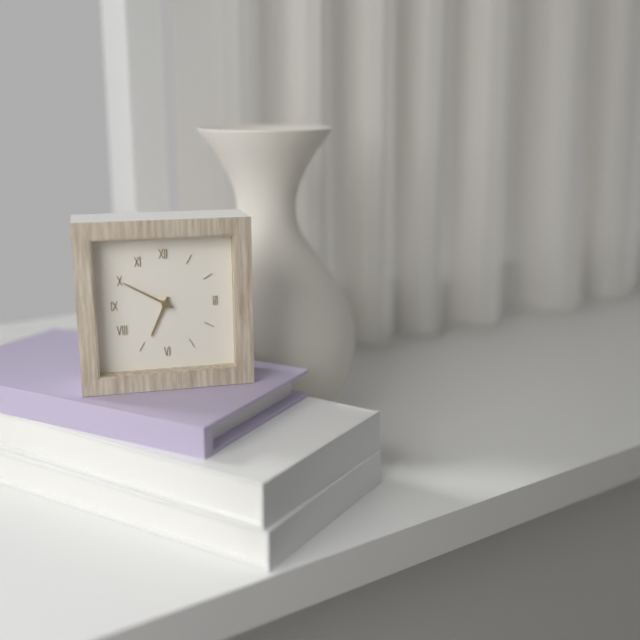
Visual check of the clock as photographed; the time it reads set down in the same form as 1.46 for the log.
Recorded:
6.50
